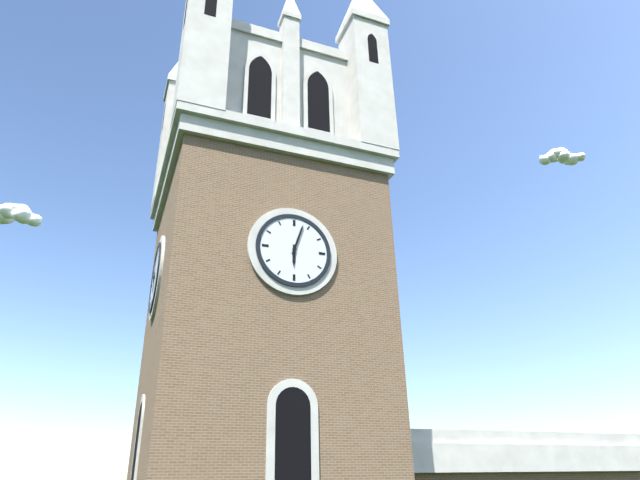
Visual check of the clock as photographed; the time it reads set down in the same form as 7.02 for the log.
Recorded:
6.03
